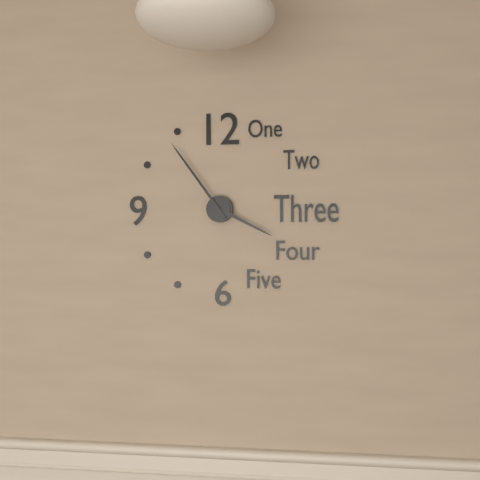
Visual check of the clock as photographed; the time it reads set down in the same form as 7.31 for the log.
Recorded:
3.54
